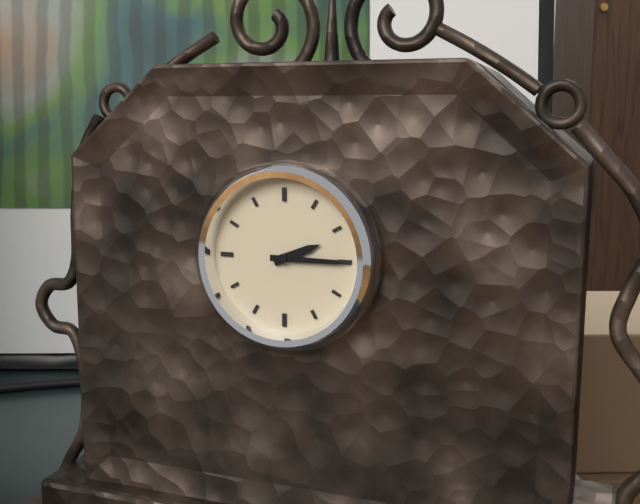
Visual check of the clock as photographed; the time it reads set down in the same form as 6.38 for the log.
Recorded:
2.15
